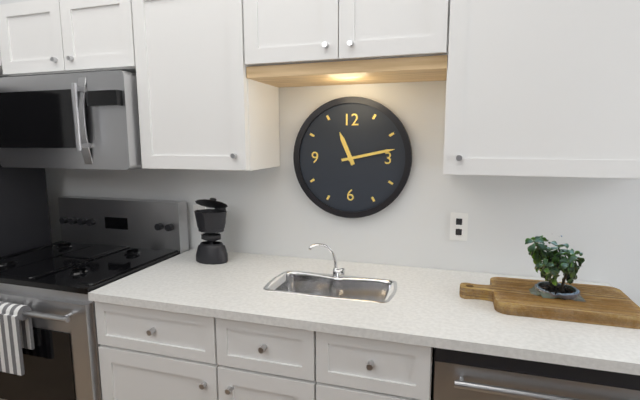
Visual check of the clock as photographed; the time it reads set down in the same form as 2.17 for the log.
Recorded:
11.13
